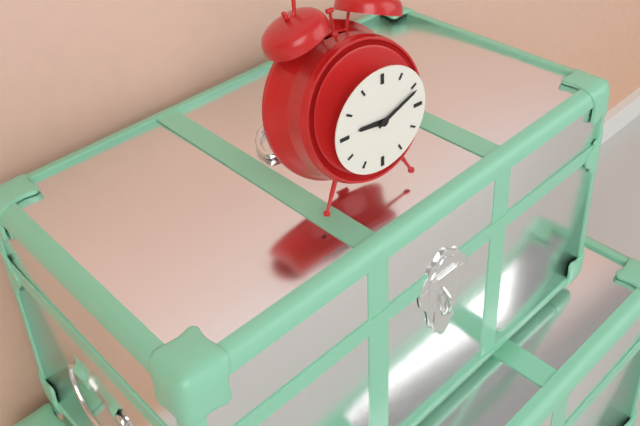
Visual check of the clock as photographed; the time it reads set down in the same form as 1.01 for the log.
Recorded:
9.11
